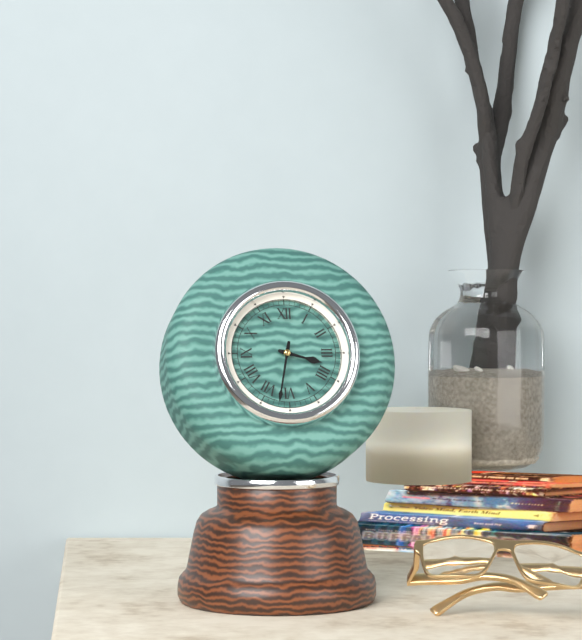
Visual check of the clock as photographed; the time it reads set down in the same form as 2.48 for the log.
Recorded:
3.32
